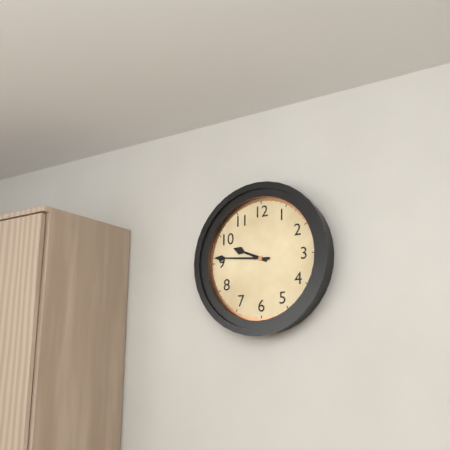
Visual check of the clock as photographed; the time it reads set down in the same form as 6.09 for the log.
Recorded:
9.46
